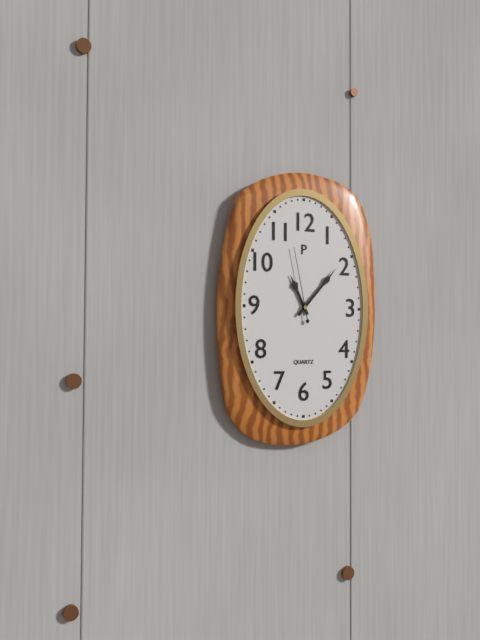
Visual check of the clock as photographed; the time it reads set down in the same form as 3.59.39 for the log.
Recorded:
11.07.58
